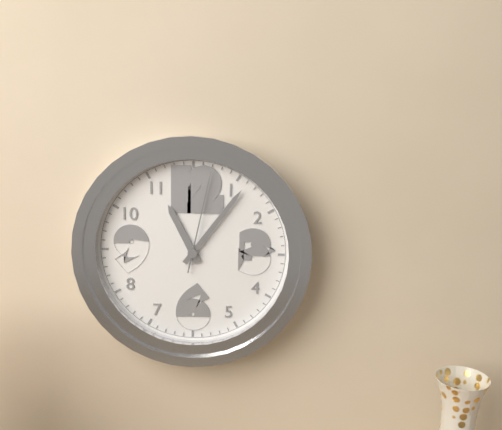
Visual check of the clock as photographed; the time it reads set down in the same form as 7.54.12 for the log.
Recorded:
11.06.02
